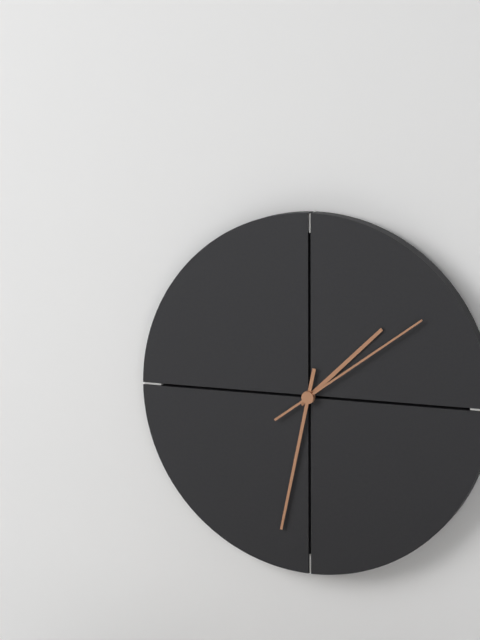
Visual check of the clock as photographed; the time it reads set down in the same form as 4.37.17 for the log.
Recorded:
1.32.09
